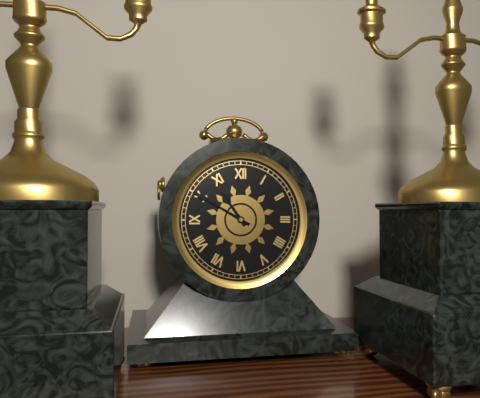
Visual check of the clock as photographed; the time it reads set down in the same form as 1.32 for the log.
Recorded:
10.50
